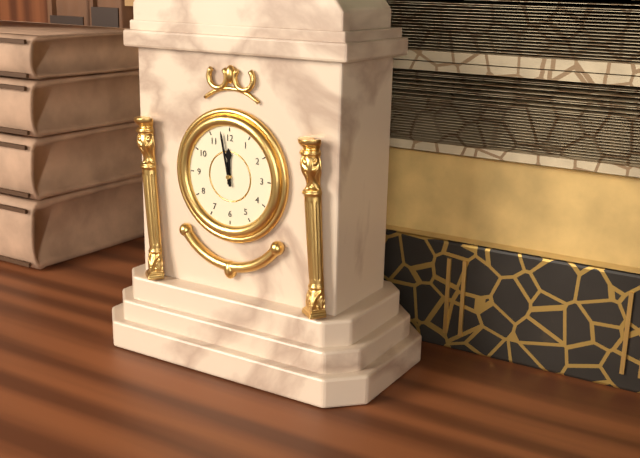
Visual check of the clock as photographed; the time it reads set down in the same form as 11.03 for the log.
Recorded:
11.58
